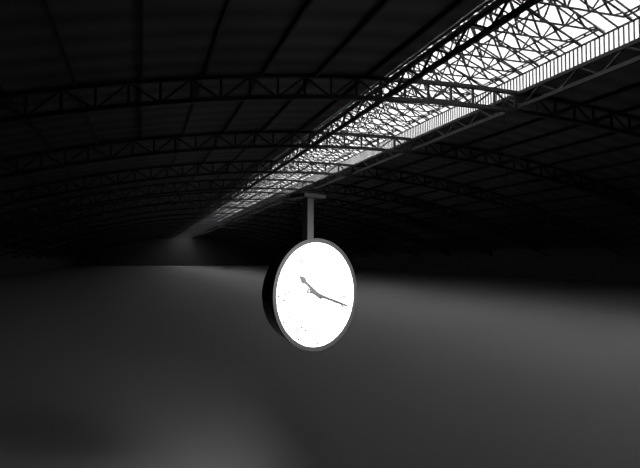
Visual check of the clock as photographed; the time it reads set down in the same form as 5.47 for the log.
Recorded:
10.18
